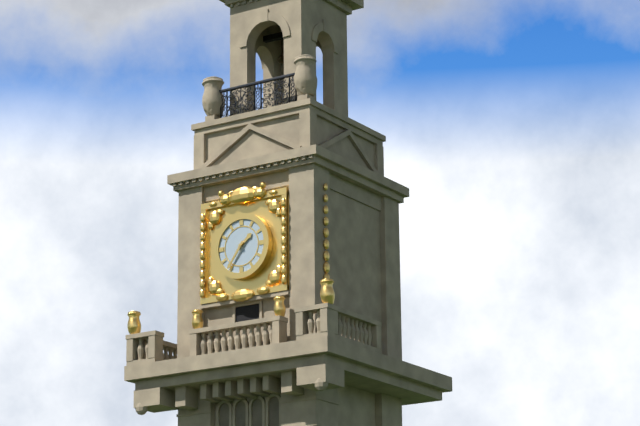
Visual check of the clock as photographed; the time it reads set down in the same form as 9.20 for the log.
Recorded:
1.36
